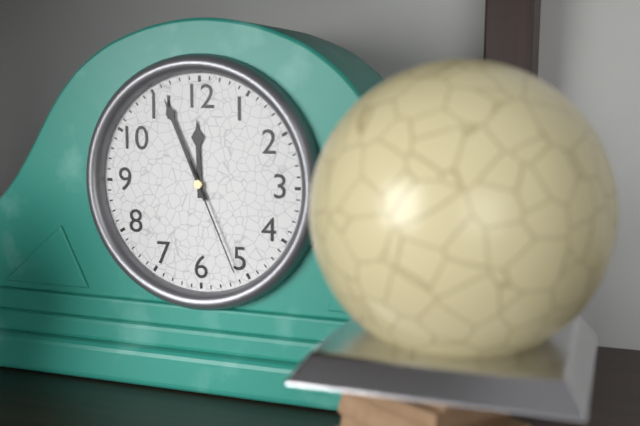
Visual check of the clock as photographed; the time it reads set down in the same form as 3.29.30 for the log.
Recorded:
11.56.26
